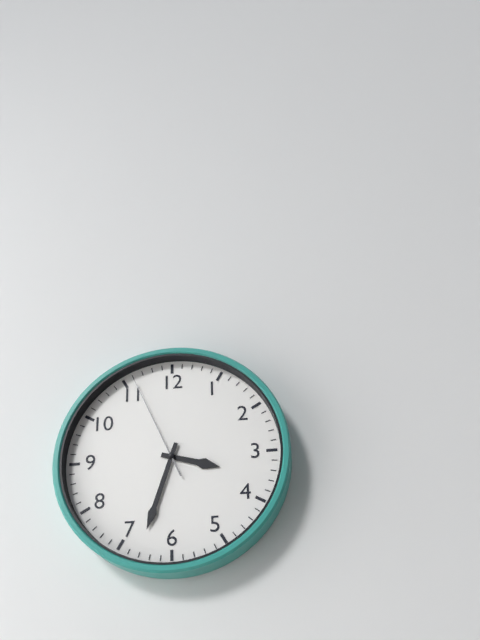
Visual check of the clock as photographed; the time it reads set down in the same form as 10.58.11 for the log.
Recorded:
3.33.56
